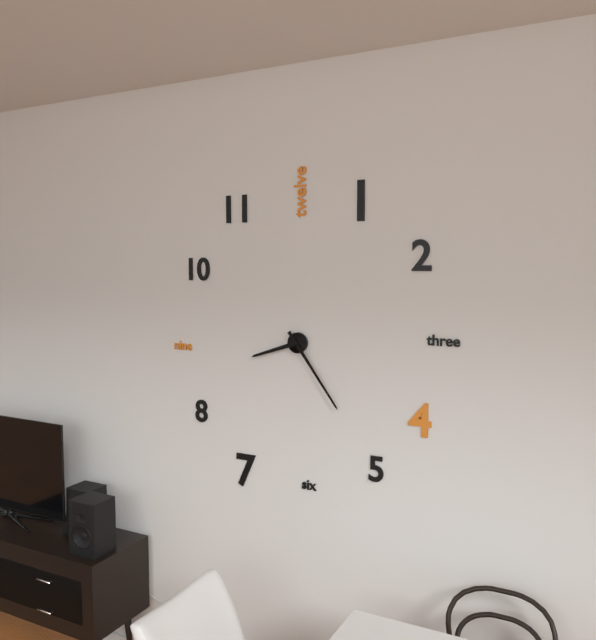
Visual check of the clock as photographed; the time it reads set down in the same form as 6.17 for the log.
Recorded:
8.24
